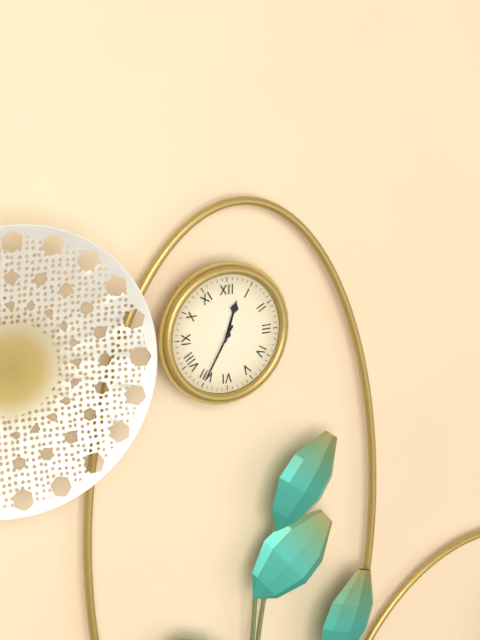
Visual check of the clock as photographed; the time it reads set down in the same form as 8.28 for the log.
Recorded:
12.35
